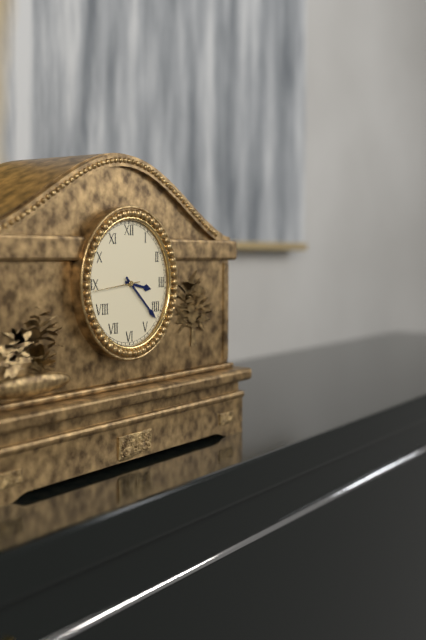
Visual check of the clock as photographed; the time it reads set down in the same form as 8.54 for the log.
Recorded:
3.22
